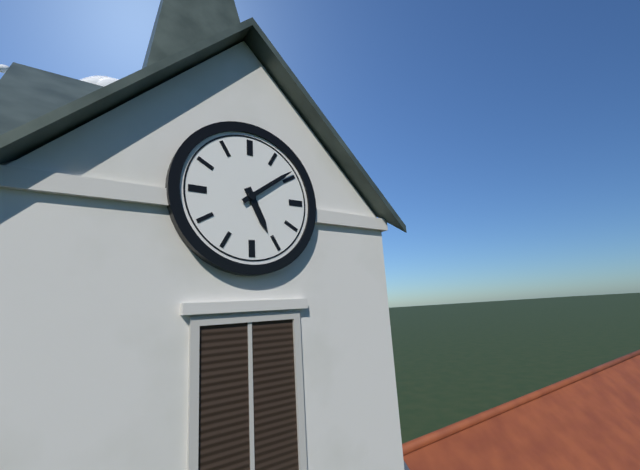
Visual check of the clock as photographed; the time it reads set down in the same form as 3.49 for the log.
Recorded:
5.09
